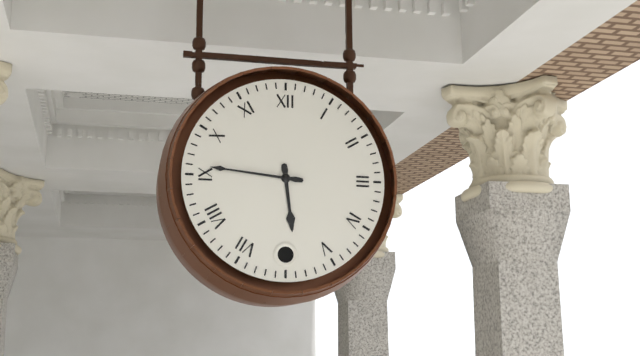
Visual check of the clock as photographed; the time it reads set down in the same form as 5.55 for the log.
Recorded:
5.46
